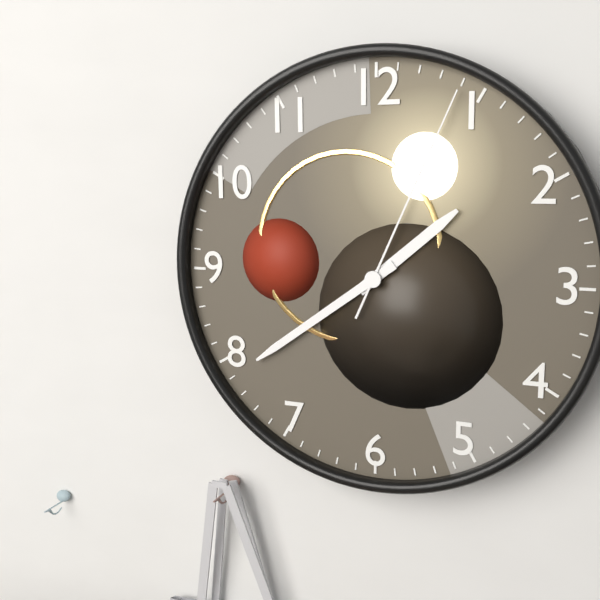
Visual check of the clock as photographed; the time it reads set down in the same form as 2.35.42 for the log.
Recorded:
1.39.04
